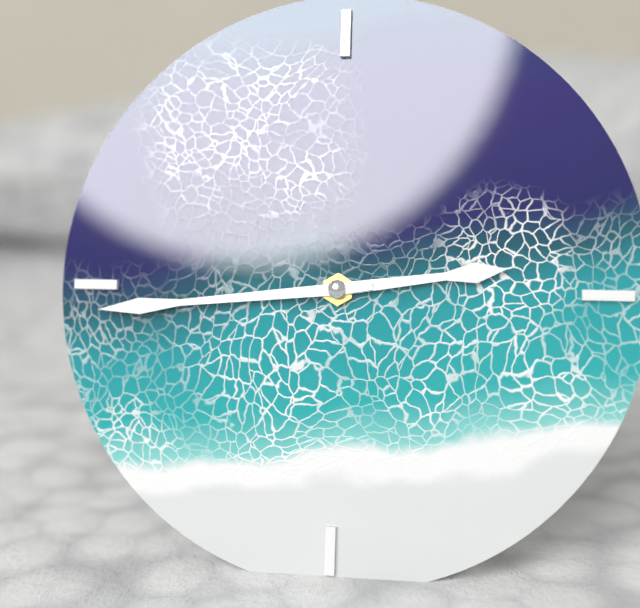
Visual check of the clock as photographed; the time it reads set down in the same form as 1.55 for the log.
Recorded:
2.44
